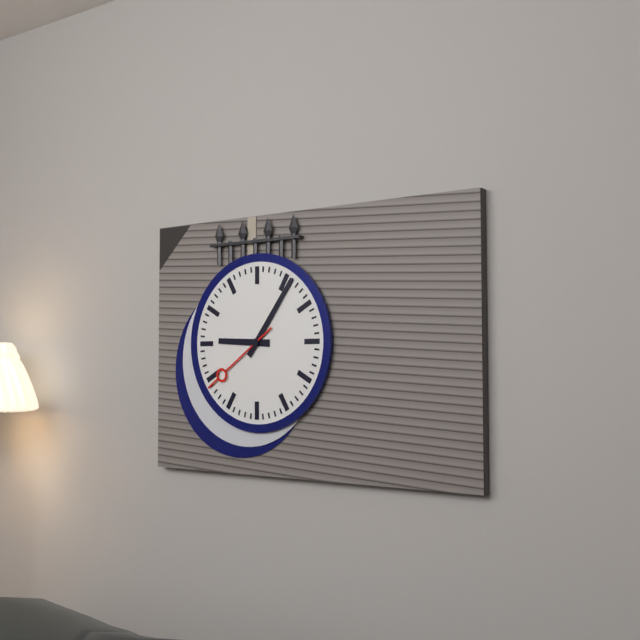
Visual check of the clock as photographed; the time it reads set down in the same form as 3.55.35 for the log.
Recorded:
9.06.39
